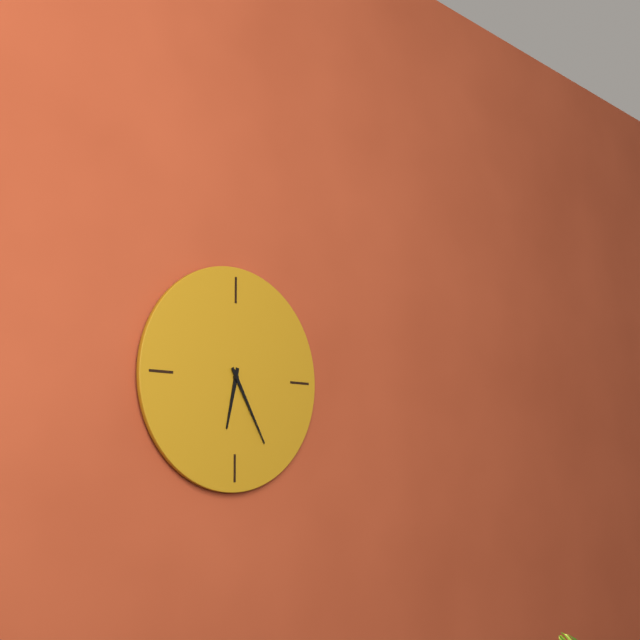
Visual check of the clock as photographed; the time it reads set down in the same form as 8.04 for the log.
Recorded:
6.25
